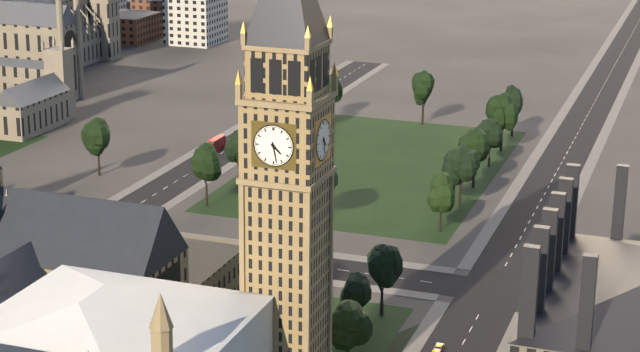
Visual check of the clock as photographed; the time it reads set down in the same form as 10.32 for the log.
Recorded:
4.28
